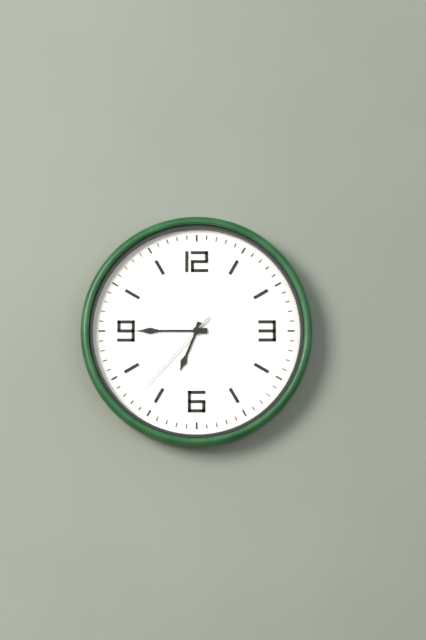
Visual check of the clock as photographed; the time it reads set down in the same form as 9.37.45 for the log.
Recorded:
6.45.37
